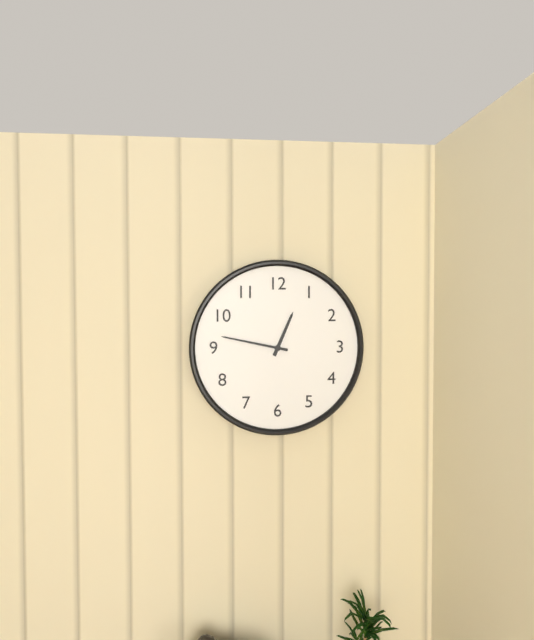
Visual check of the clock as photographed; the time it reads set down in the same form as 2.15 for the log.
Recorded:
12.47
